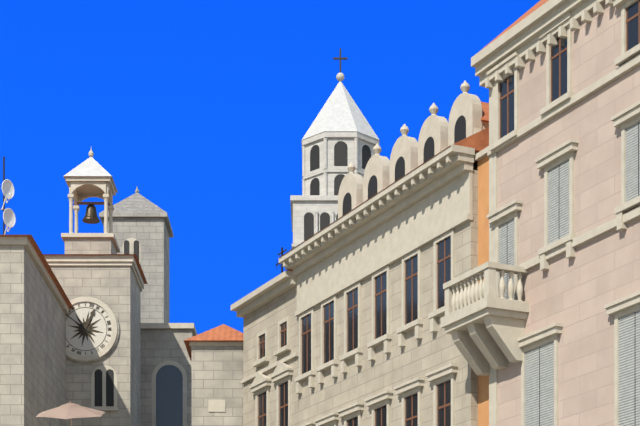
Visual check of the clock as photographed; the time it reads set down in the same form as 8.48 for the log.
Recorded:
12.51
